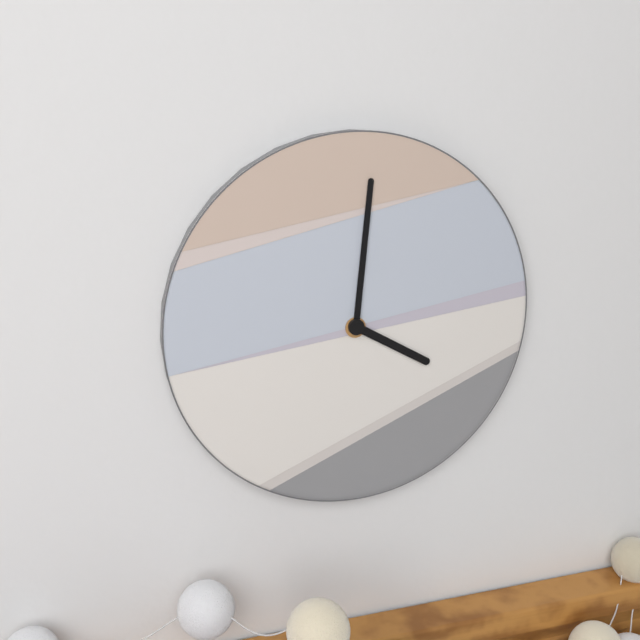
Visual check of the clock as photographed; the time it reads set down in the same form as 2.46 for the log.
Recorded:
4.01
